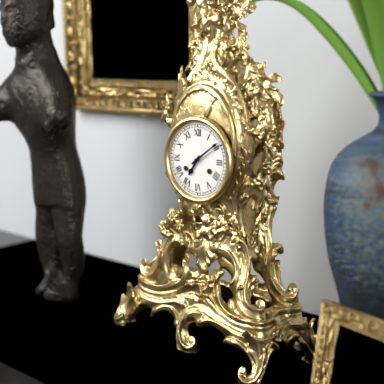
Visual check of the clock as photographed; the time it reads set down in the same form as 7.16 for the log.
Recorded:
7.09
